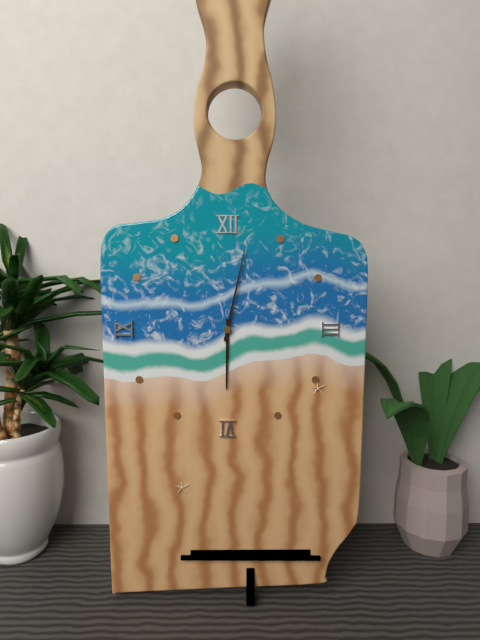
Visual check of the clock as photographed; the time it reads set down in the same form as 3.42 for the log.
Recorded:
6.02
